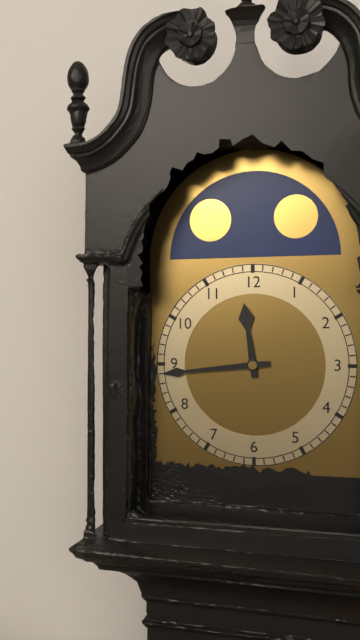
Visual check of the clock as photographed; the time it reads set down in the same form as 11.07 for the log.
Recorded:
11.44
